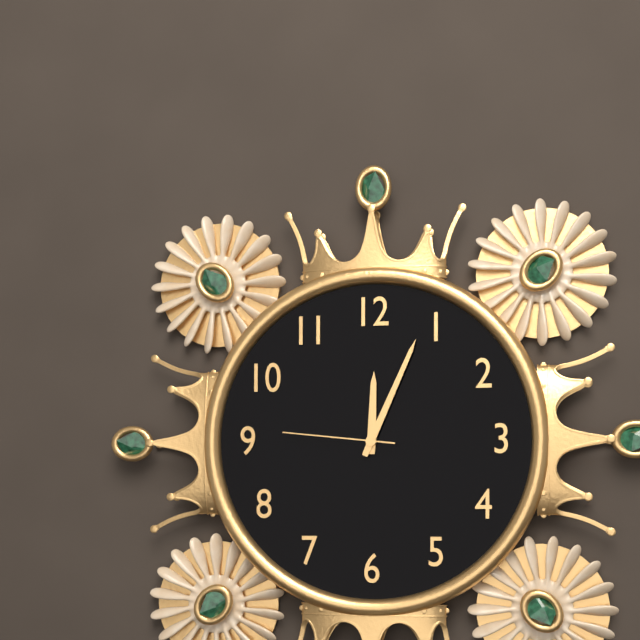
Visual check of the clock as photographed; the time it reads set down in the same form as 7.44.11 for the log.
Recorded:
12.04.46
